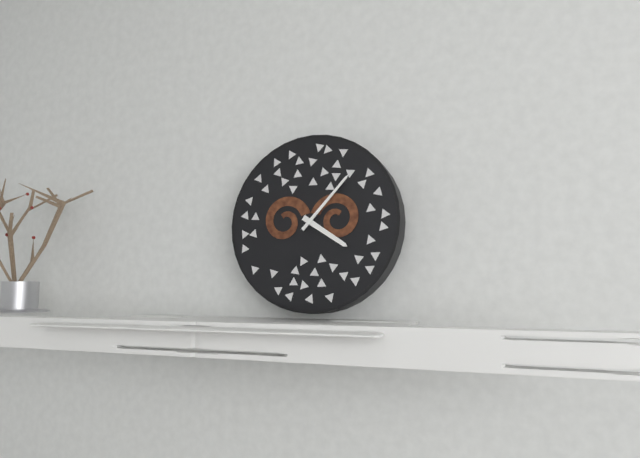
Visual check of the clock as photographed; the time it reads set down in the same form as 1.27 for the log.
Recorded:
4.07
